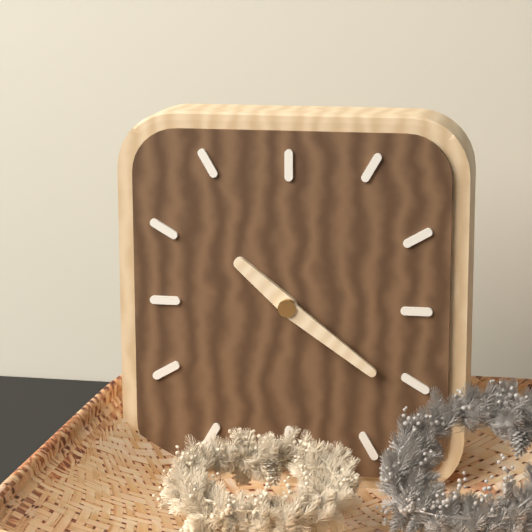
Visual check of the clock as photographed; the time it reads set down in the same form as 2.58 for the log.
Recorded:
10.21
